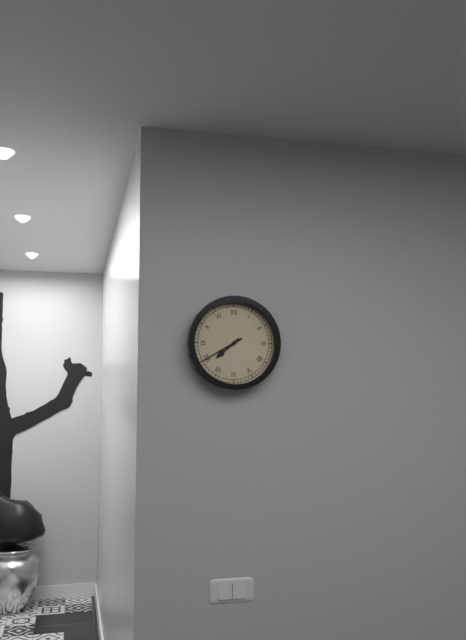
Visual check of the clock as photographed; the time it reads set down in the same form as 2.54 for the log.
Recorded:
7.40
